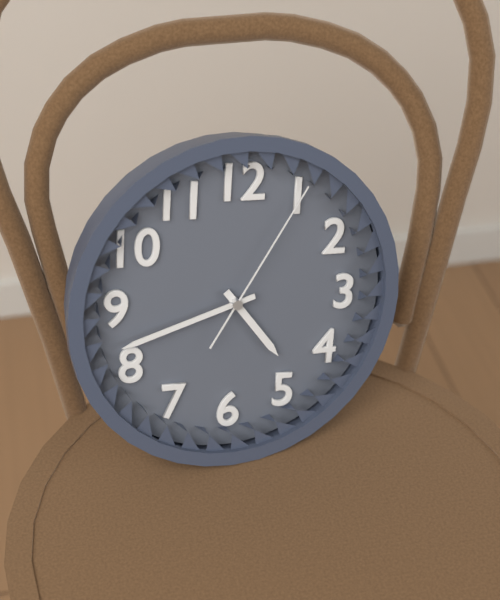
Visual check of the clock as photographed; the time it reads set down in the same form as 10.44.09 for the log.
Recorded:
4.42.05
